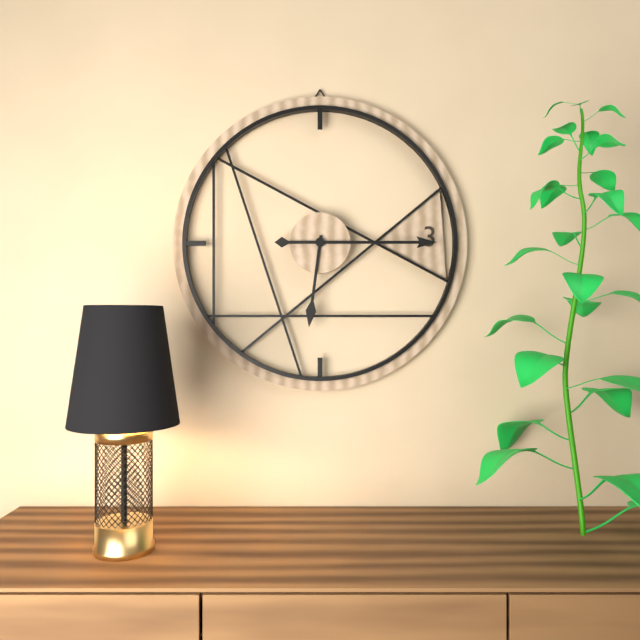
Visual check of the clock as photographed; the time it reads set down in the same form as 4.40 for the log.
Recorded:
6.15
